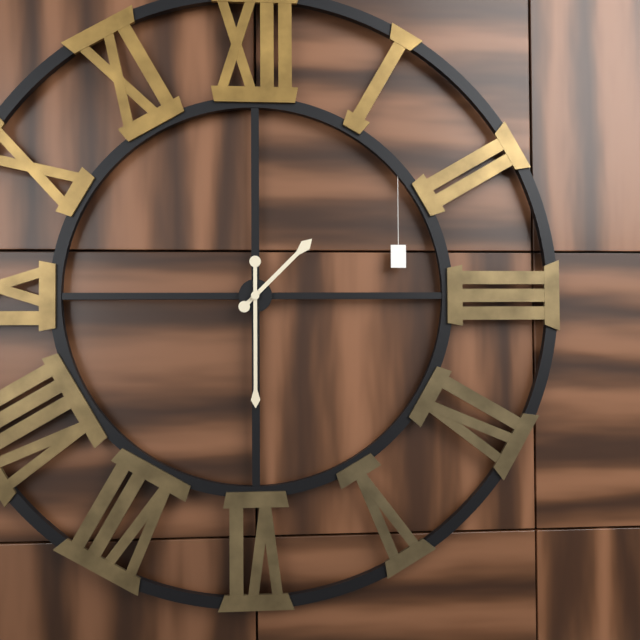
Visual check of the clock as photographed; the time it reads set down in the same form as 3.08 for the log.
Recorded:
1.30
